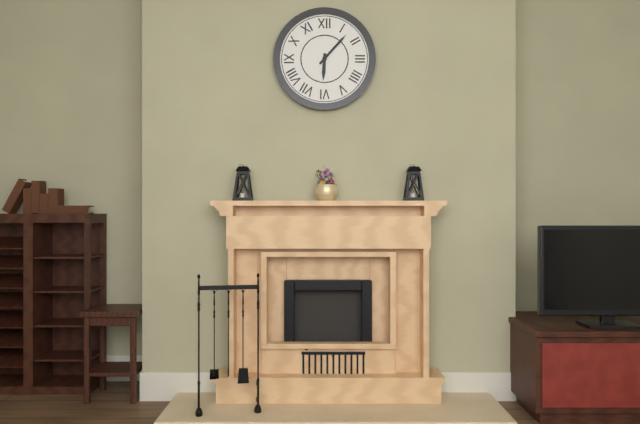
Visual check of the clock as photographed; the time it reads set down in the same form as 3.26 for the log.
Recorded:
6.07
